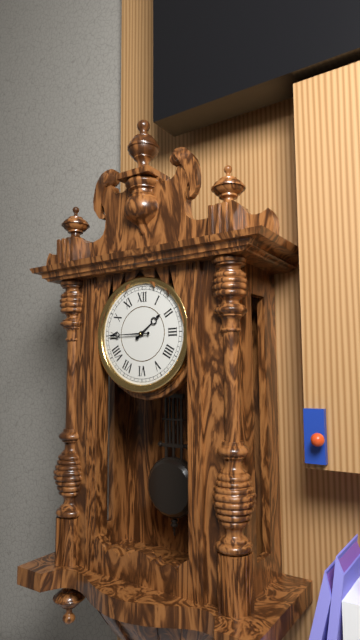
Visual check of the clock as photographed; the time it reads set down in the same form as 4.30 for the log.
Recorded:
1.45
